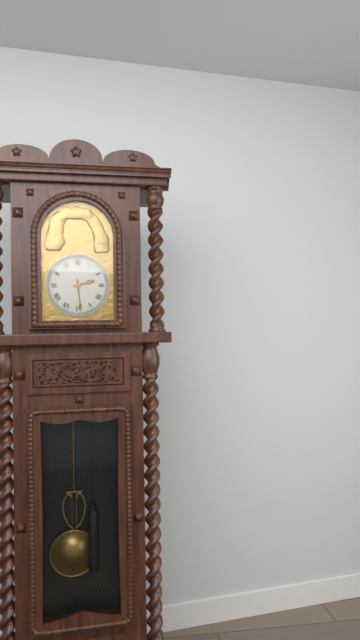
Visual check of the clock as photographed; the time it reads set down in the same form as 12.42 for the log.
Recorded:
2.29
